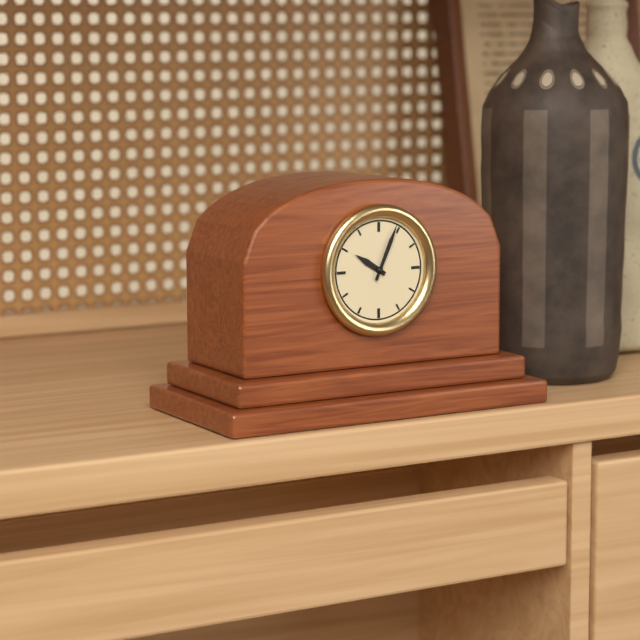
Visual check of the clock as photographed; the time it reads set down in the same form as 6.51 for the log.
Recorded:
10.04
